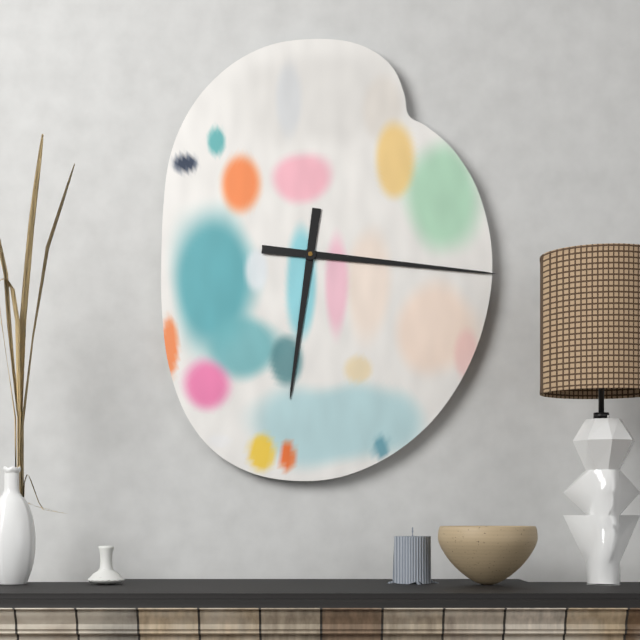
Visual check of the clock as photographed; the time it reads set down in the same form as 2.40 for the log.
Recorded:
6.16
